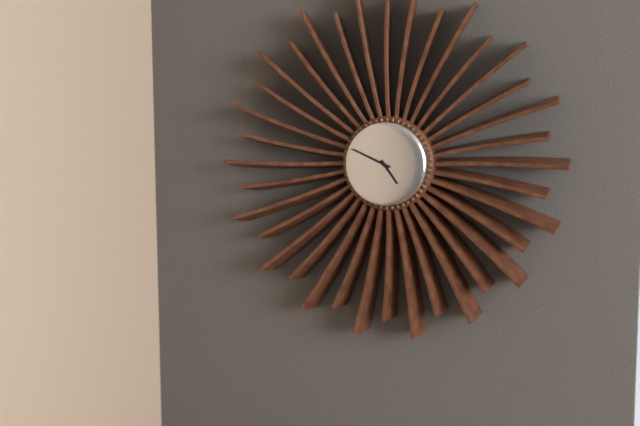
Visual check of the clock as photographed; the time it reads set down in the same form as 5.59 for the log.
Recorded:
4.49
